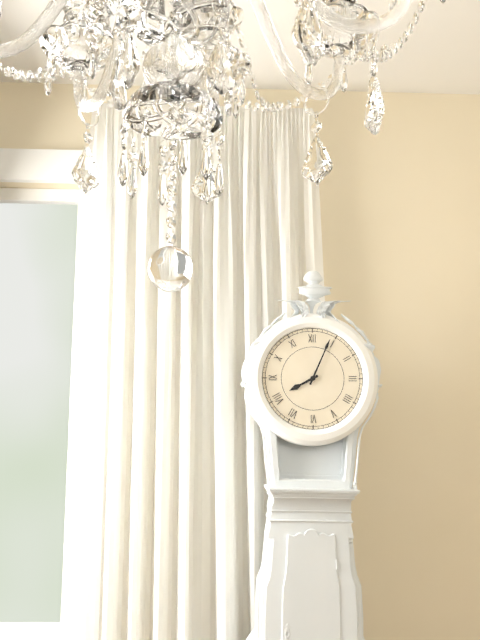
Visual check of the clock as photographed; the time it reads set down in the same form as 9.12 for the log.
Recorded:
8.04
